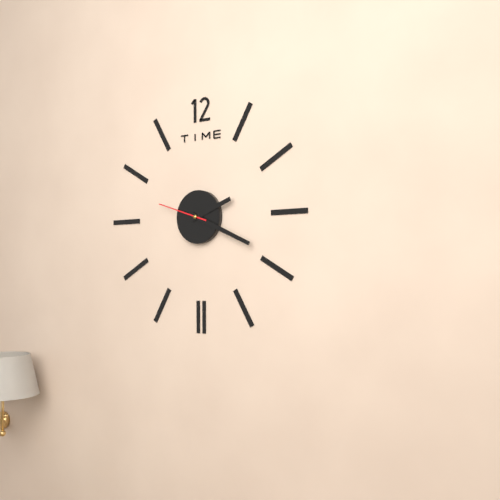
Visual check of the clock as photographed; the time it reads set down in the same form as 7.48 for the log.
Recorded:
2.19
